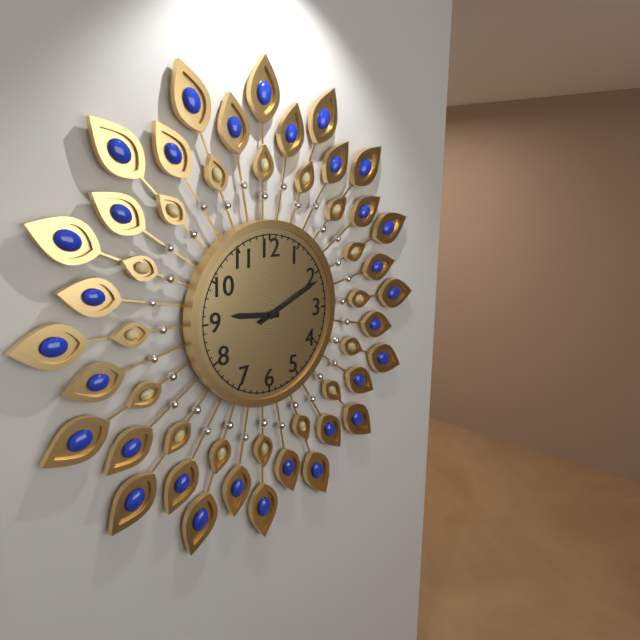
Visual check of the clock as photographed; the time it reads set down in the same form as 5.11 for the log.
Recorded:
9.11
